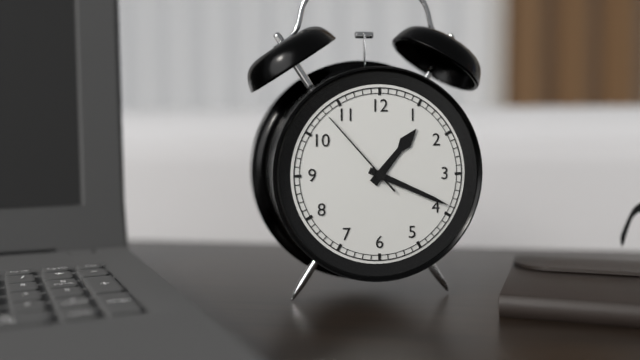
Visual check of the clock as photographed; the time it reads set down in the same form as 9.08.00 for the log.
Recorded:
1.19.53
